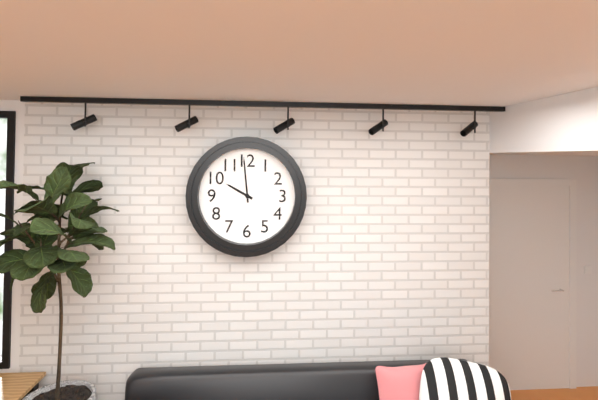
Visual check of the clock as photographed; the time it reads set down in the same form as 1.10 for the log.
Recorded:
9.59
